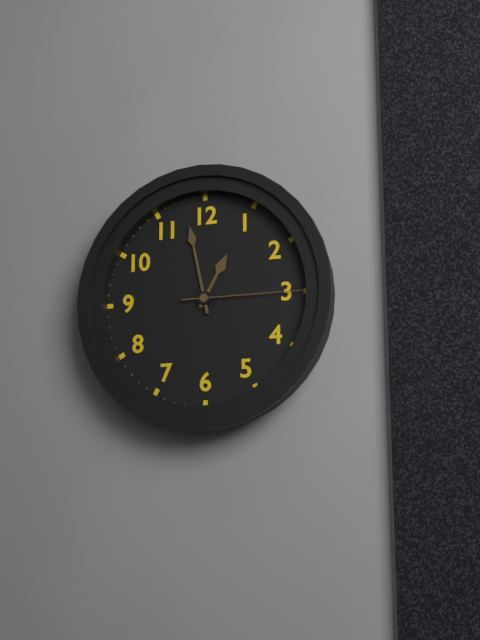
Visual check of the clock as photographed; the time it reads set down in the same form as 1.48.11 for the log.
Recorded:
12.58.15
